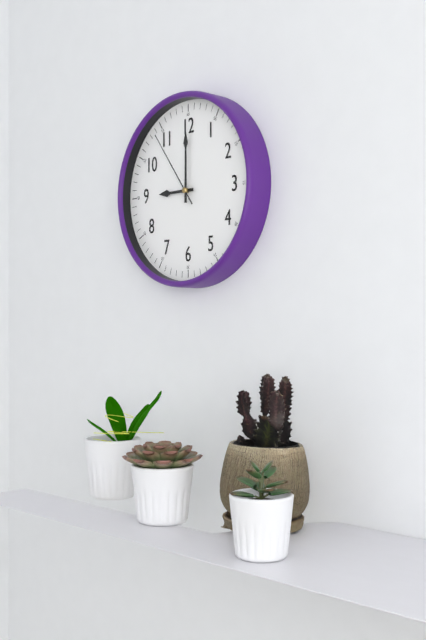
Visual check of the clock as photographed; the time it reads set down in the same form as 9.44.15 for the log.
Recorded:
9.00.54
